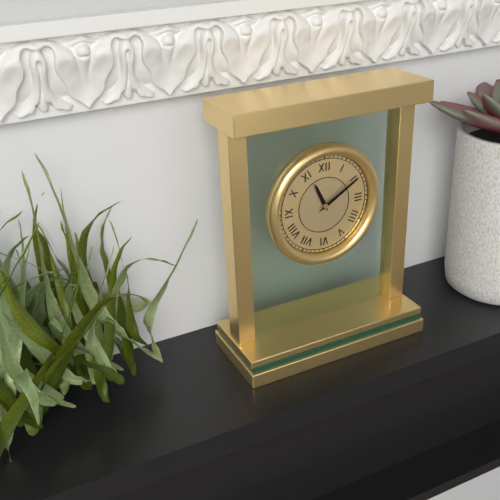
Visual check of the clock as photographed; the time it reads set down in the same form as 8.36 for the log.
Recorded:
11.10
